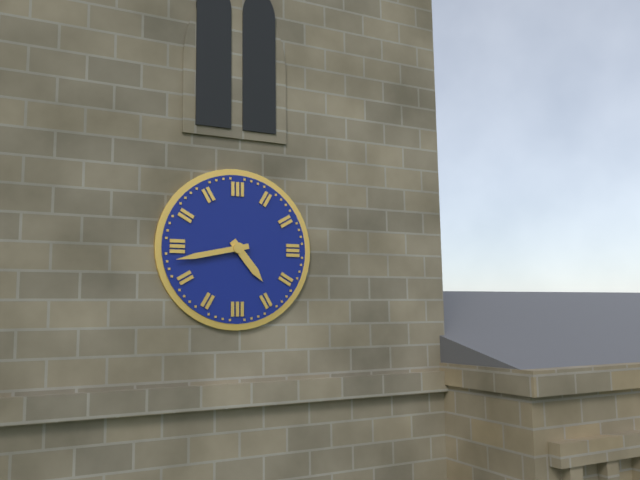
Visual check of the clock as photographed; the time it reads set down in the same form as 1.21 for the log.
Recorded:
4.43
